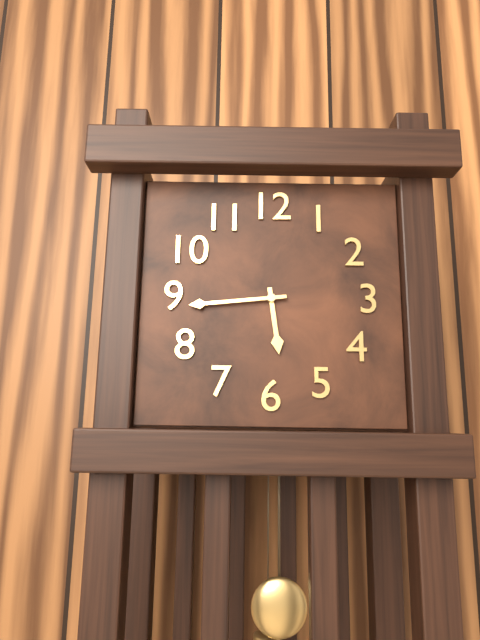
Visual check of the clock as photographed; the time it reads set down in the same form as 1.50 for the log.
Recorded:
5.44
